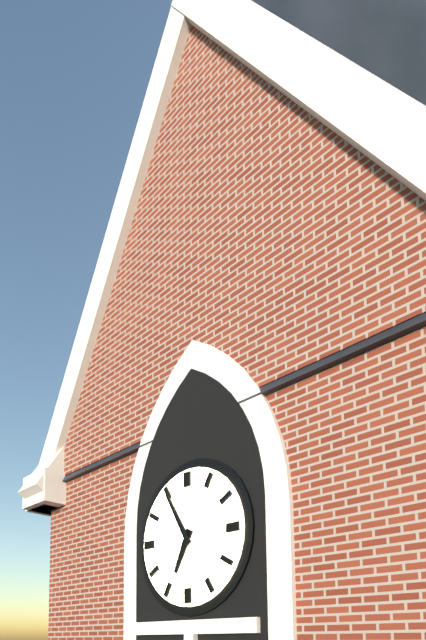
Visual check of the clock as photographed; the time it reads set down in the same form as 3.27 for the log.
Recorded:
6.55
